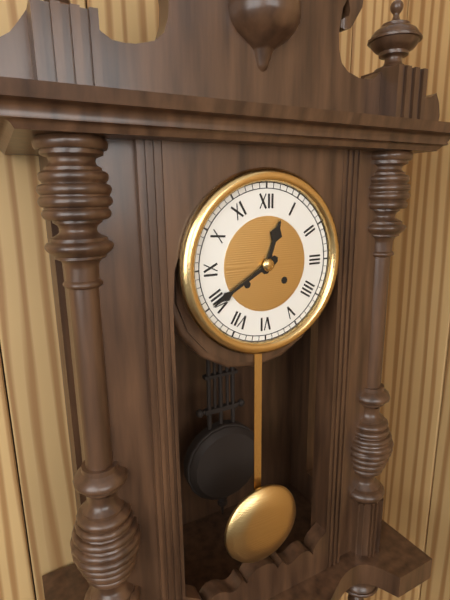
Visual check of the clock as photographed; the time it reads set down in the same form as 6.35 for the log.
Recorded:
12.40
